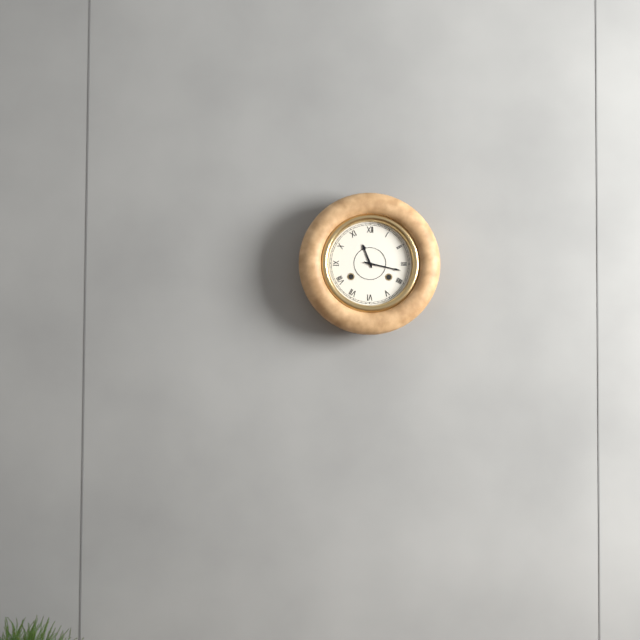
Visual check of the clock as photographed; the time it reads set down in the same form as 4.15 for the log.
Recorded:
11.17
